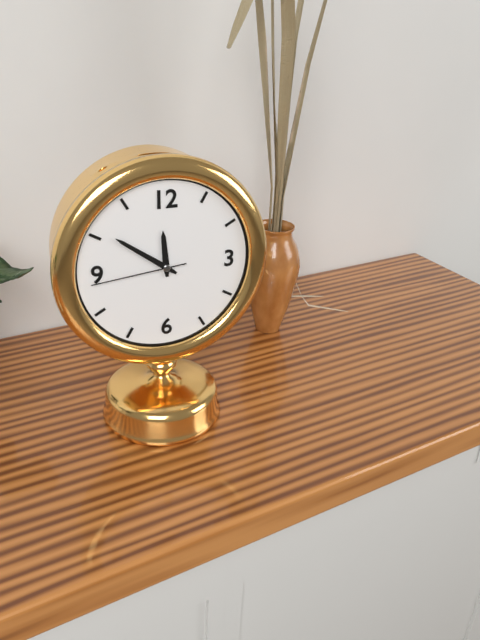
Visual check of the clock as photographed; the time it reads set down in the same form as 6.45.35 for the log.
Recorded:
11.51.44
